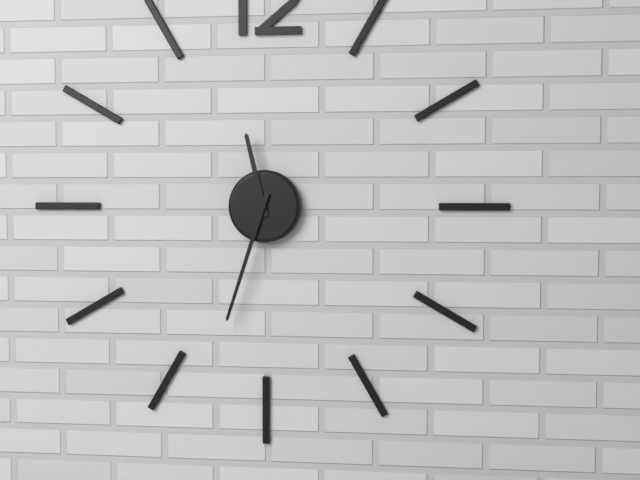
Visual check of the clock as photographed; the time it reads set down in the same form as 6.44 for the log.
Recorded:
11.33
